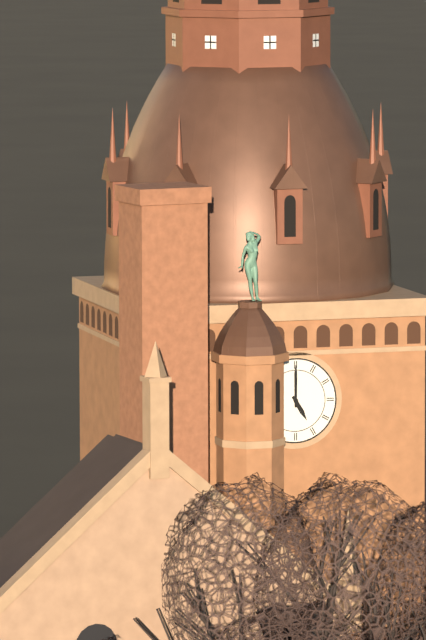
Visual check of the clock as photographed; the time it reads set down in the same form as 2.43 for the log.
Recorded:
5.00
